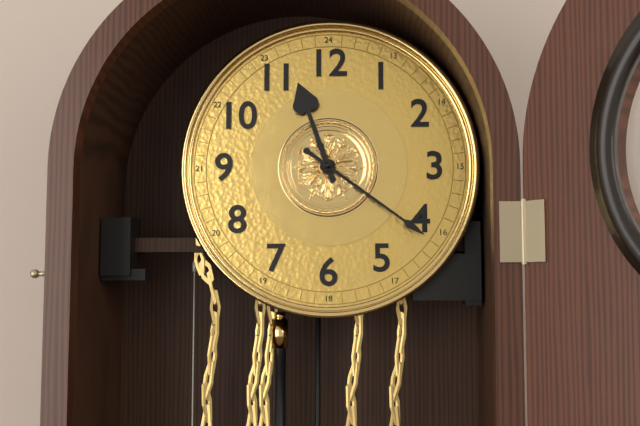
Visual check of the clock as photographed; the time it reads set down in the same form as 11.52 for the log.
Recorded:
11.21
